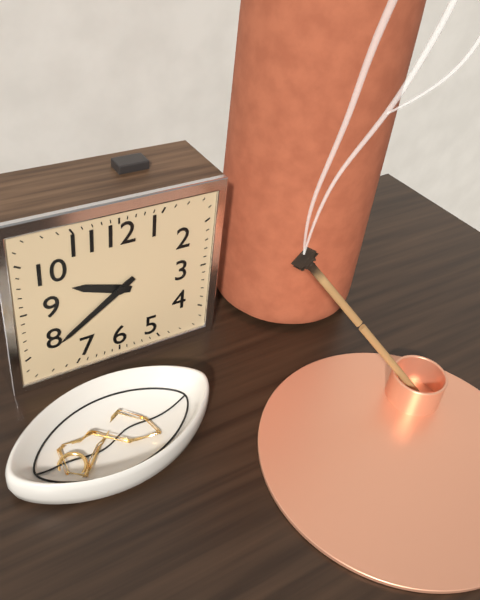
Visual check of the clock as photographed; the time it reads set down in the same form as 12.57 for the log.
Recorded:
9.39
